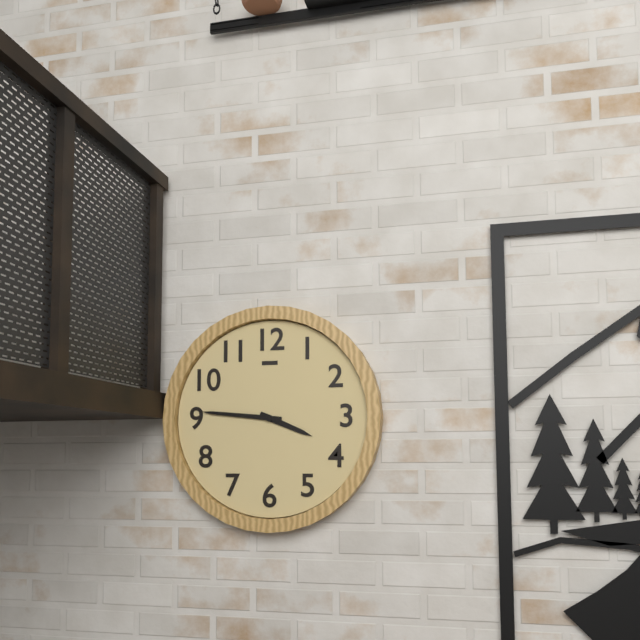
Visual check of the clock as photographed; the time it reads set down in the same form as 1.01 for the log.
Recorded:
3.46
